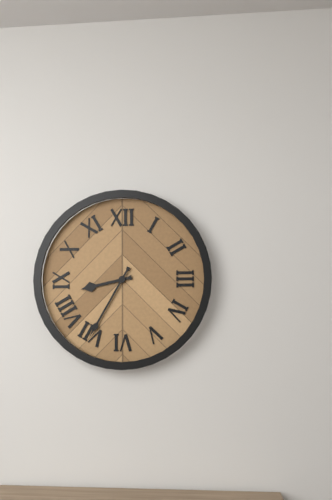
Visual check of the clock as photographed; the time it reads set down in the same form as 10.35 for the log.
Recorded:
8.35
